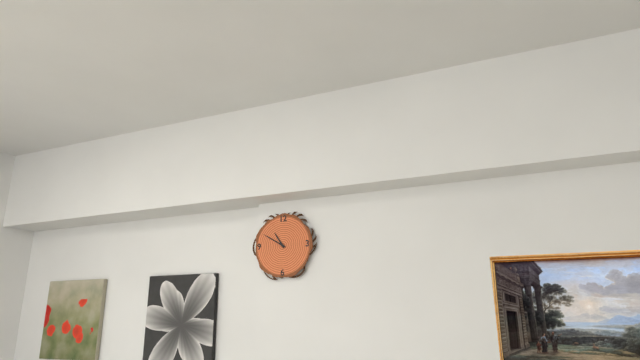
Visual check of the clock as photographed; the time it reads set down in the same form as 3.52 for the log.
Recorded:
10.50
